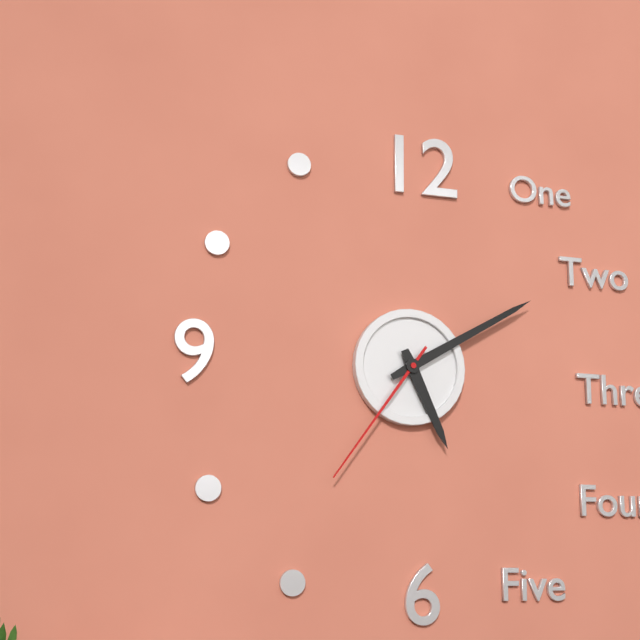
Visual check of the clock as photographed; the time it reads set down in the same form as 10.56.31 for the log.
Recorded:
5.10.36
